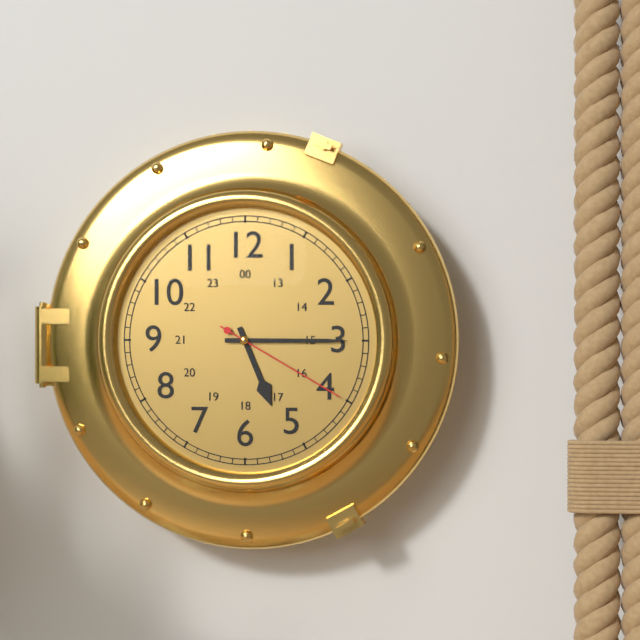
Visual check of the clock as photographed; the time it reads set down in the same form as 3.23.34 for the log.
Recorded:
5.15.20
